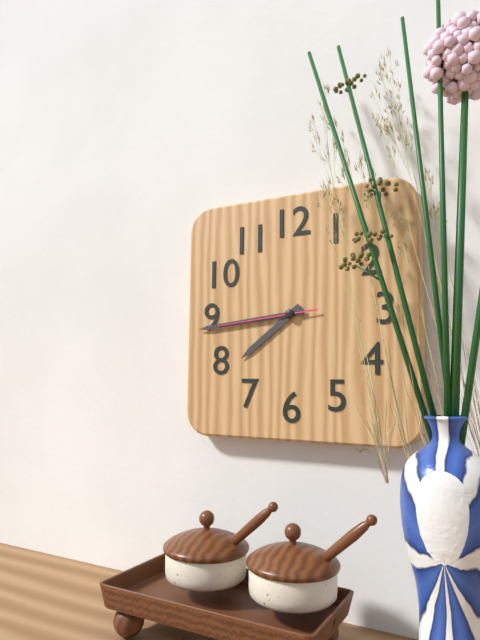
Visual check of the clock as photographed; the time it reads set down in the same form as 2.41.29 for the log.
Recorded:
7.44.44
